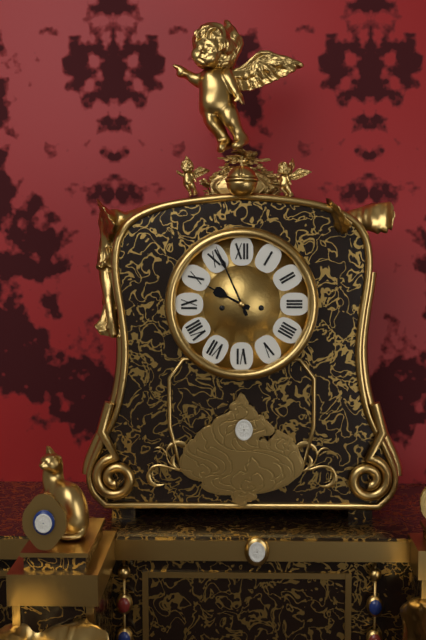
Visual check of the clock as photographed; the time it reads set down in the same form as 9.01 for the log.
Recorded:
9.56
